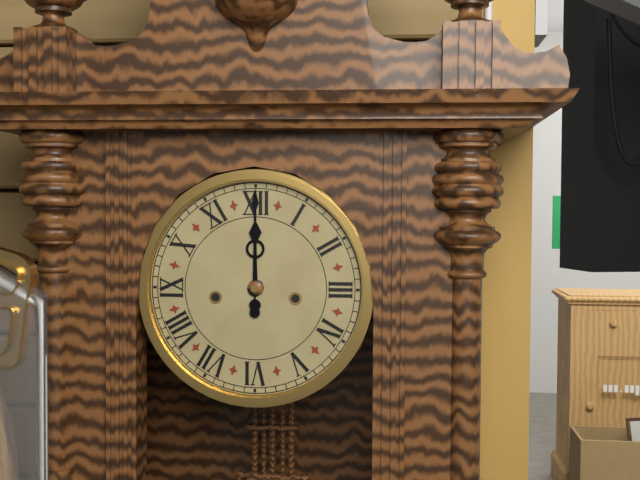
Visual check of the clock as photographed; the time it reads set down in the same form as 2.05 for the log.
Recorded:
12.00
